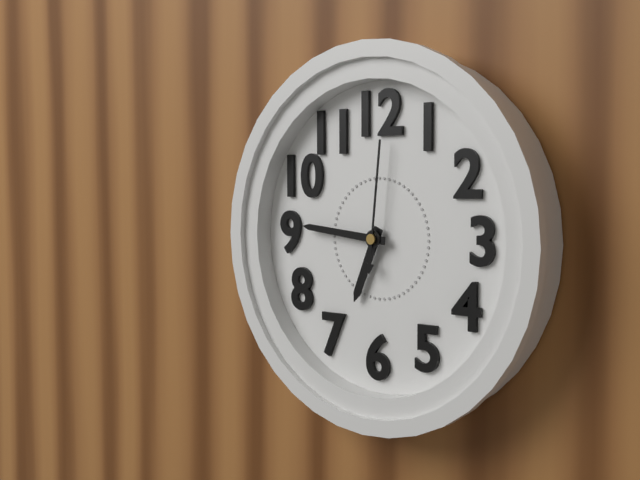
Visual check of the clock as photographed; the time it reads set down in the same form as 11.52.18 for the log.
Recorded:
6.46.01
